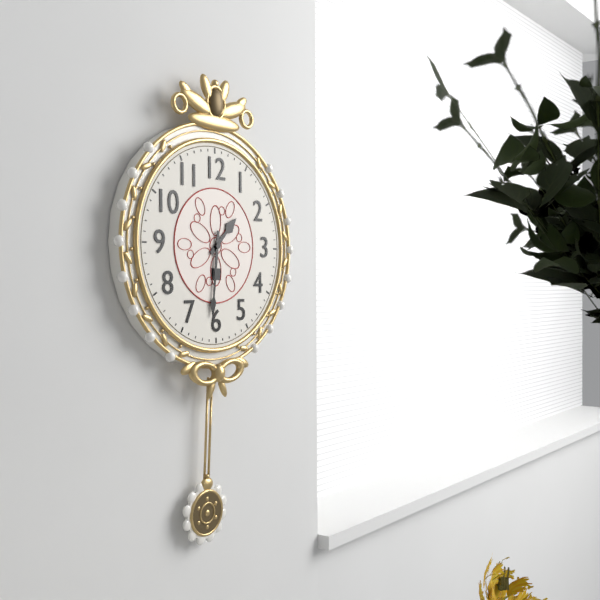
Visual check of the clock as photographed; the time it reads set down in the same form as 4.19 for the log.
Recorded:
1.31
